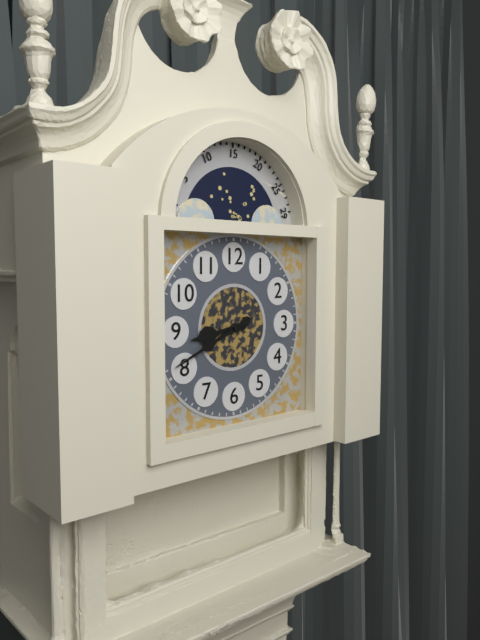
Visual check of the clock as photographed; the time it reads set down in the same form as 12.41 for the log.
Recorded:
8.41
